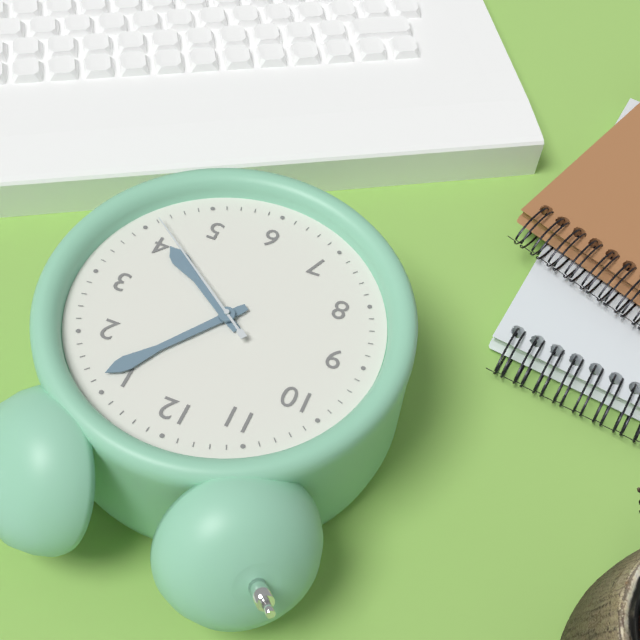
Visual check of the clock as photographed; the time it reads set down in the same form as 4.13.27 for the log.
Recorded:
4.06.21
